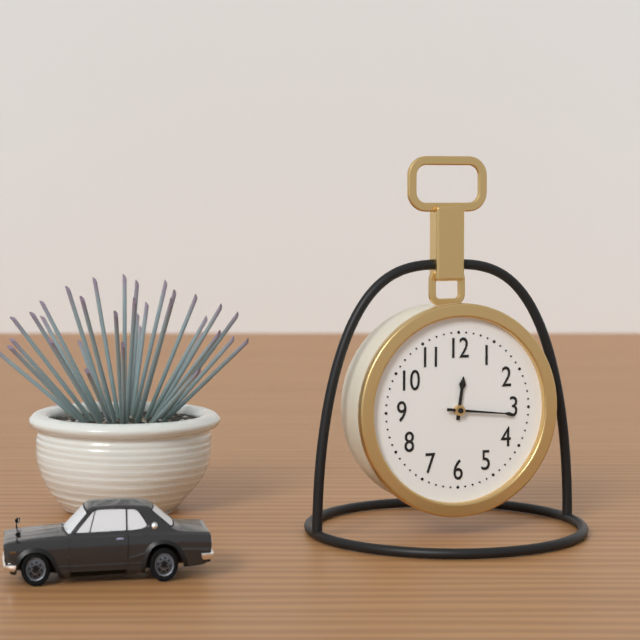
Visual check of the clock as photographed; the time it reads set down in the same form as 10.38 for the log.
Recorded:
12.16
